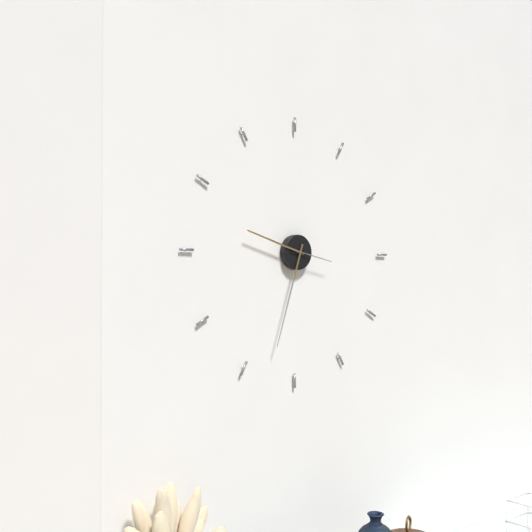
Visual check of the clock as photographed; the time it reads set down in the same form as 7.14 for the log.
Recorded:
9.33
